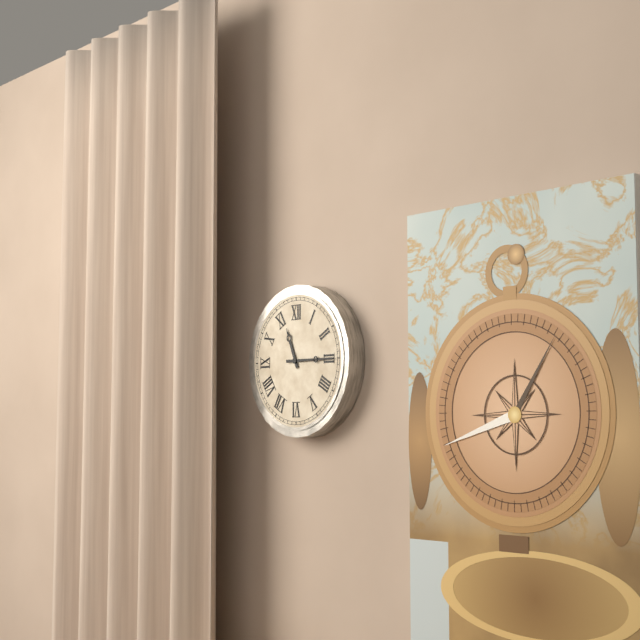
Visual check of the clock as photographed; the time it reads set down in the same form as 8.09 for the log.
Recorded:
11.15
